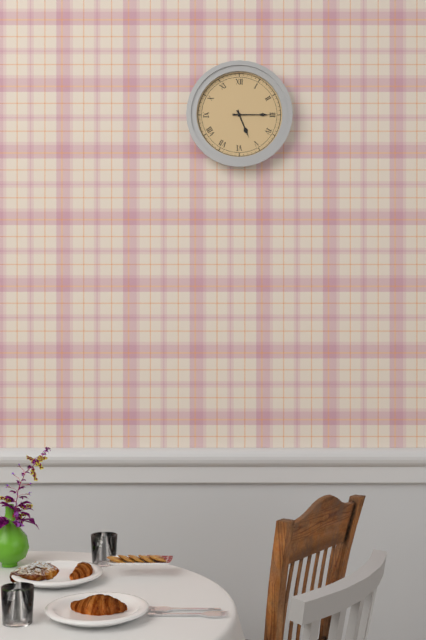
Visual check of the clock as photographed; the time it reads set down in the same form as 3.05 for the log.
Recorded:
5.15
